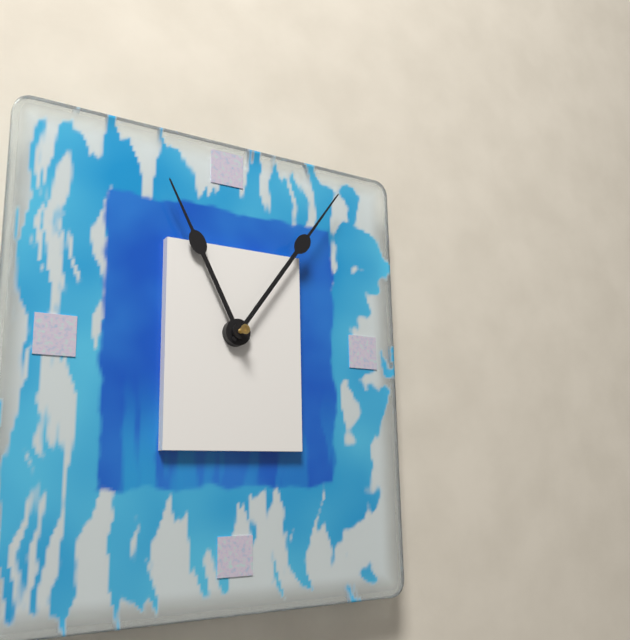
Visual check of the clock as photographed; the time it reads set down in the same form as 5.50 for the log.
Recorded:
11.06
